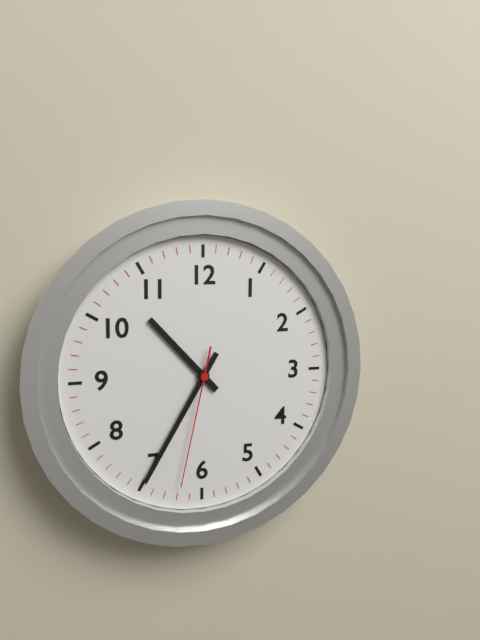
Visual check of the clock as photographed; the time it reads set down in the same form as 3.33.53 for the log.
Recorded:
10.35.32
